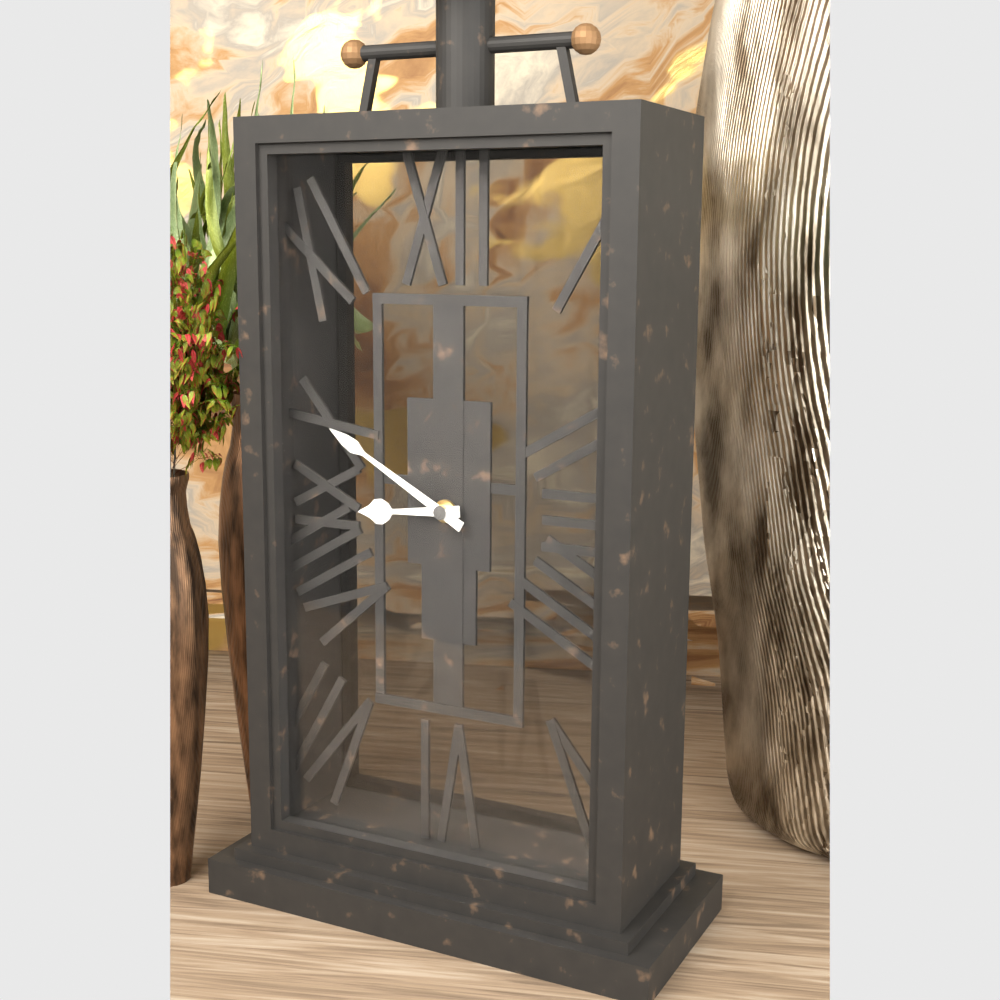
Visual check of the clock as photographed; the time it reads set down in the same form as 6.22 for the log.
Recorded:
8.50
